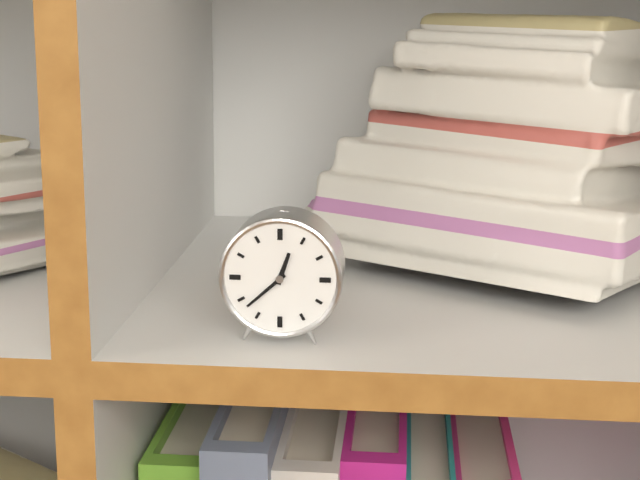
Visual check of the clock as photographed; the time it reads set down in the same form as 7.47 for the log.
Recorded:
12.38
